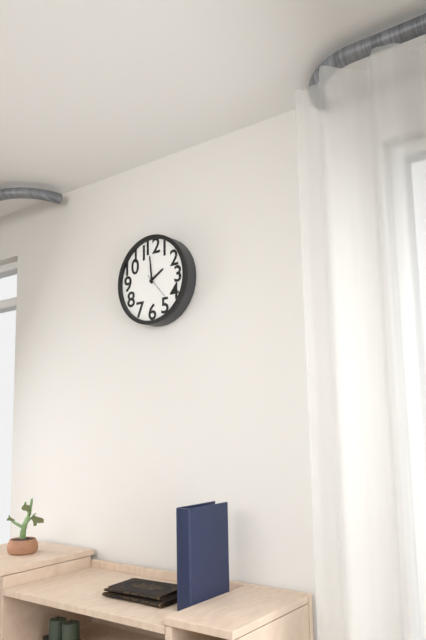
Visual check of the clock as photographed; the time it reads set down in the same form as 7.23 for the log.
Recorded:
1.59
